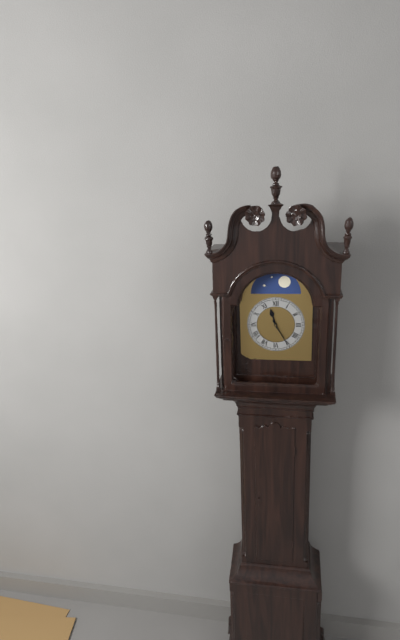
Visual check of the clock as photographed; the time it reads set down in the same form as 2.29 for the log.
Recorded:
11.25
